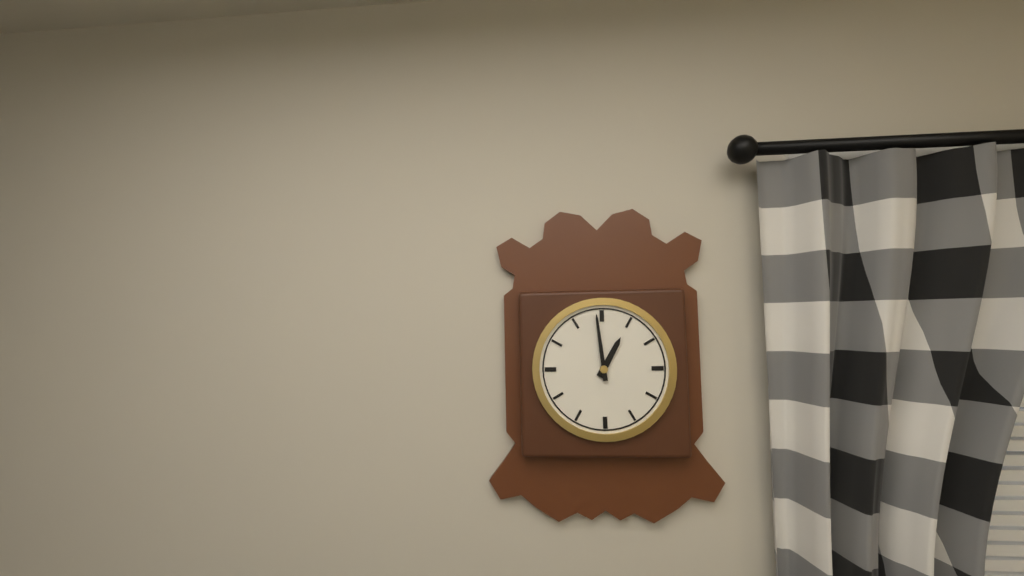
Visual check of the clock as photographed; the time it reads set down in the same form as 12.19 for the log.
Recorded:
12.59
